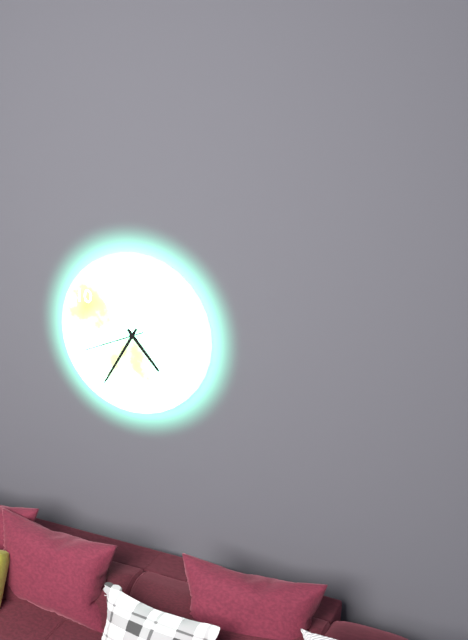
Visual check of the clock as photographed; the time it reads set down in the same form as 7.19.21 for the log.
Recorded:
4.35.41
